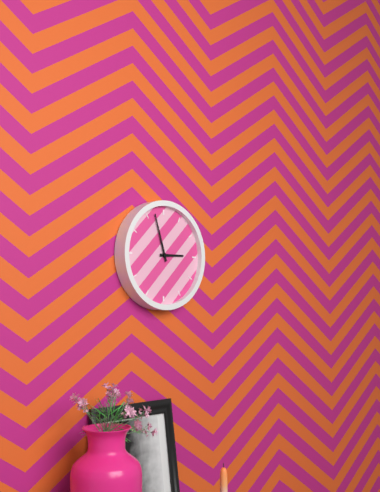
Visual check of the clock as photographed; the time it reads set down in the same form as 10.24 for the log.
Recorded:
2.57
